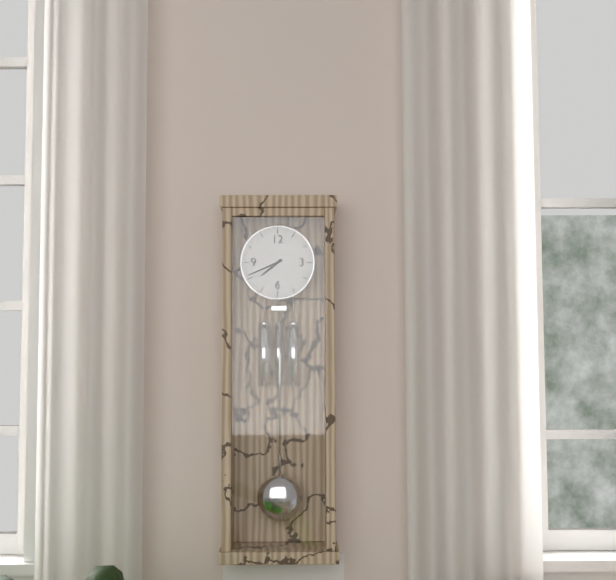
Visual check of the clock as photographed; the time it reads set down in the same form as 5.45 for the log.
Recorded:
7.41
